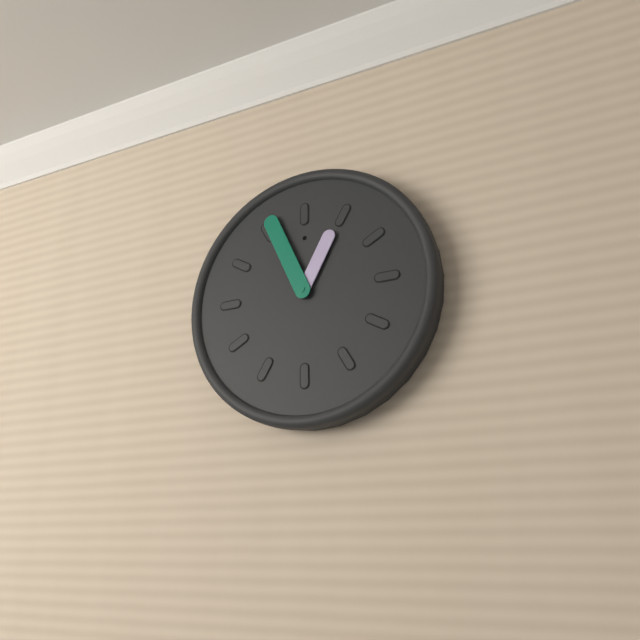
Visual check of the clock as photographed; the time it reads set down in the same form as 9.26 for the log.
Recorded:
12.56
